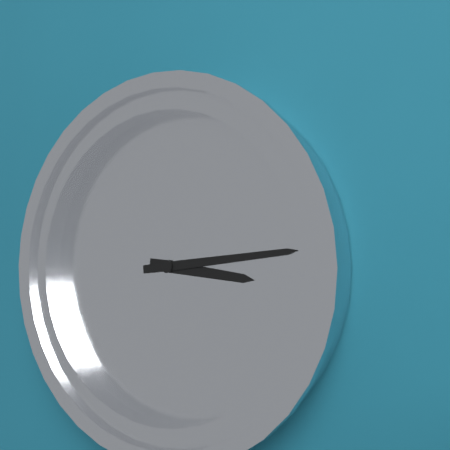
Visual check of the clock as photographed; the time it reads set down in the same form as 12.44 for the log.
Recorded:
3.14
